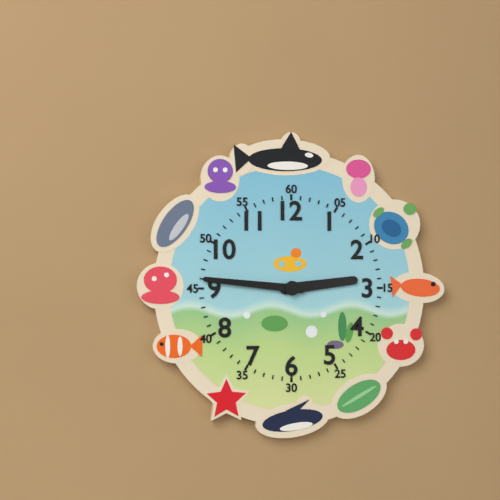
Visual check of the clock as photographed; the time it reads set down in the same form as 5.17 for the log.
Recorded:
2.46
